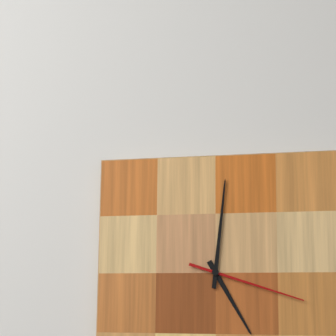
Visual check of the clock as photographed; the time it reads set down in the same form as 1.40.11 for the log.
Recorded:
5.01.18
